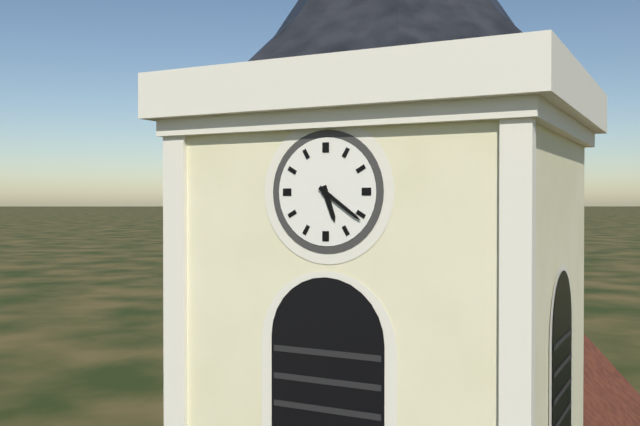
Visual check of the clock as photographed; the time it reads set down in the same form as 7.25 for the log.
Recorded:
5.21
